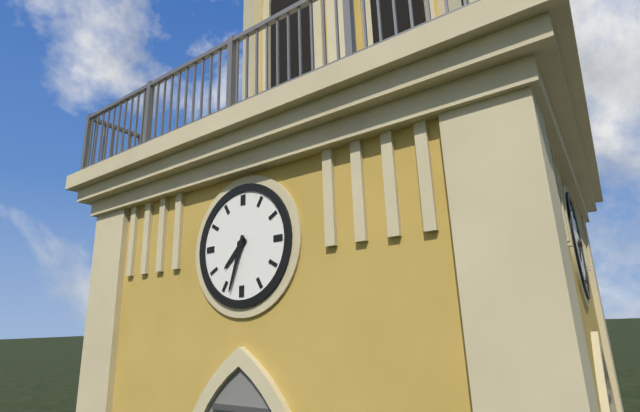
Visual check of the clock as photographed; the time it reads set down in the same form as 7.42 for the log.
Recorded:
7.33
